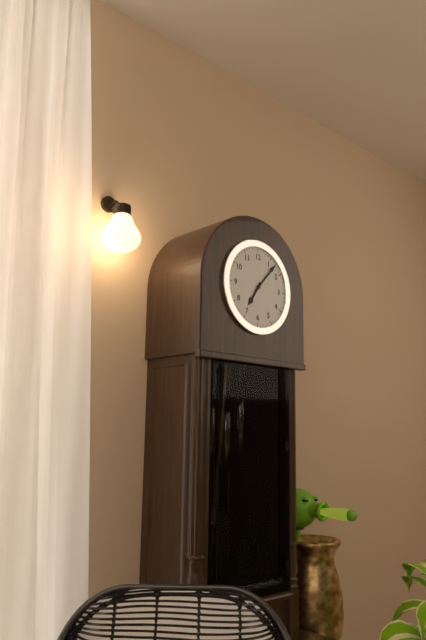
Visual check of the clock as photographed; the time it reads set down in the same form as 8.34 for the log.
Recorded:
7.07
